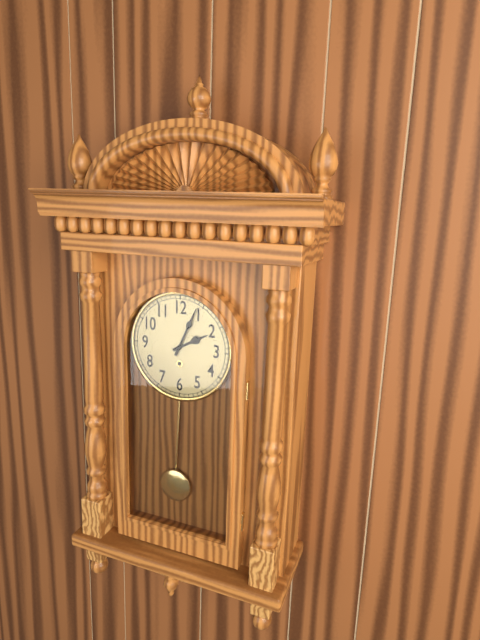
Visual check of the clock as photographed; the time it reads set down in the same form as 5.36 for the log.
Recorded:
2.04
